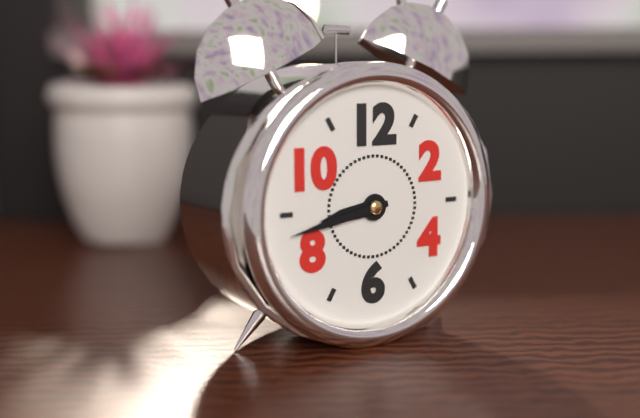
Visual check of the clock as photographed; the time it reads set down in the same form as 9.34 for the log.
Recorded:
8.43
